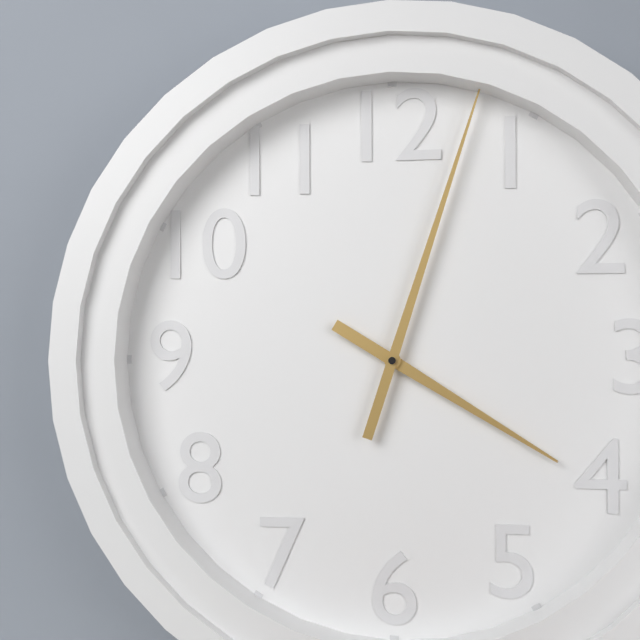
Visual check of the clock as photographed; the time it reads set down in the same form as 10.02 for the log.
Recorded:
4.03
